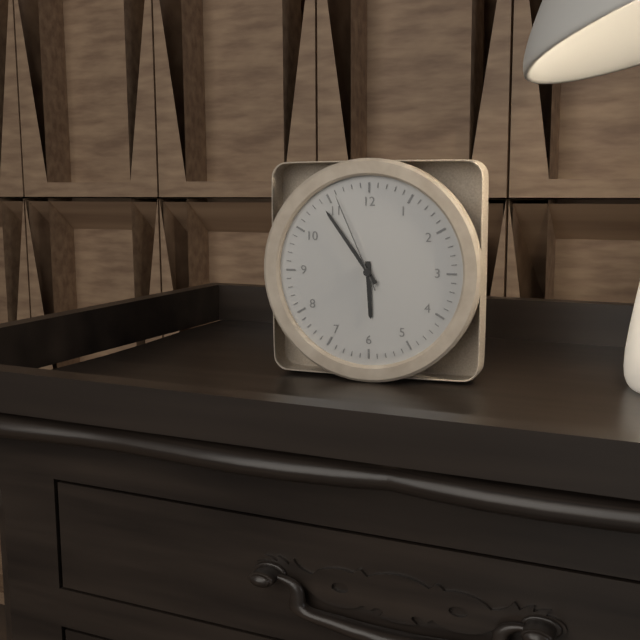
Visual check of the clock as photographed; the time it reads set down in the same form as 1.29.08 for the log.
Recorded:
5.54.56
